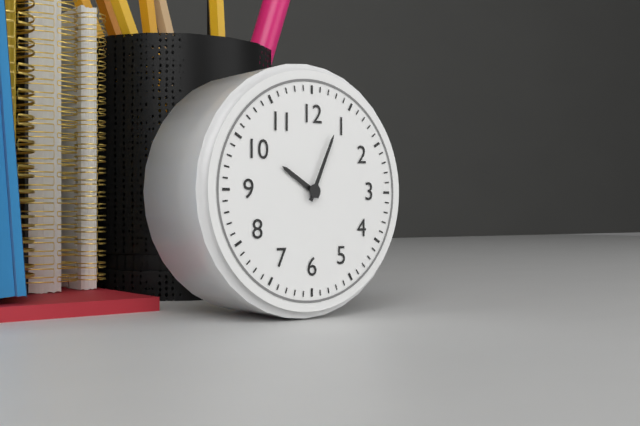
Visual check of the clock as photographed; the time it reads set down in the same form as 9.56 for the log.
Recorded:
10.04
